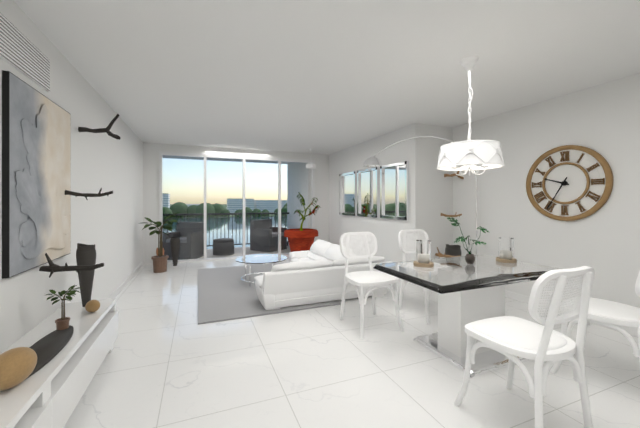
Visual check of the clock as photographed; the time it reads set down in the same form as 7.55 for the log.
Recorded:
9.35
